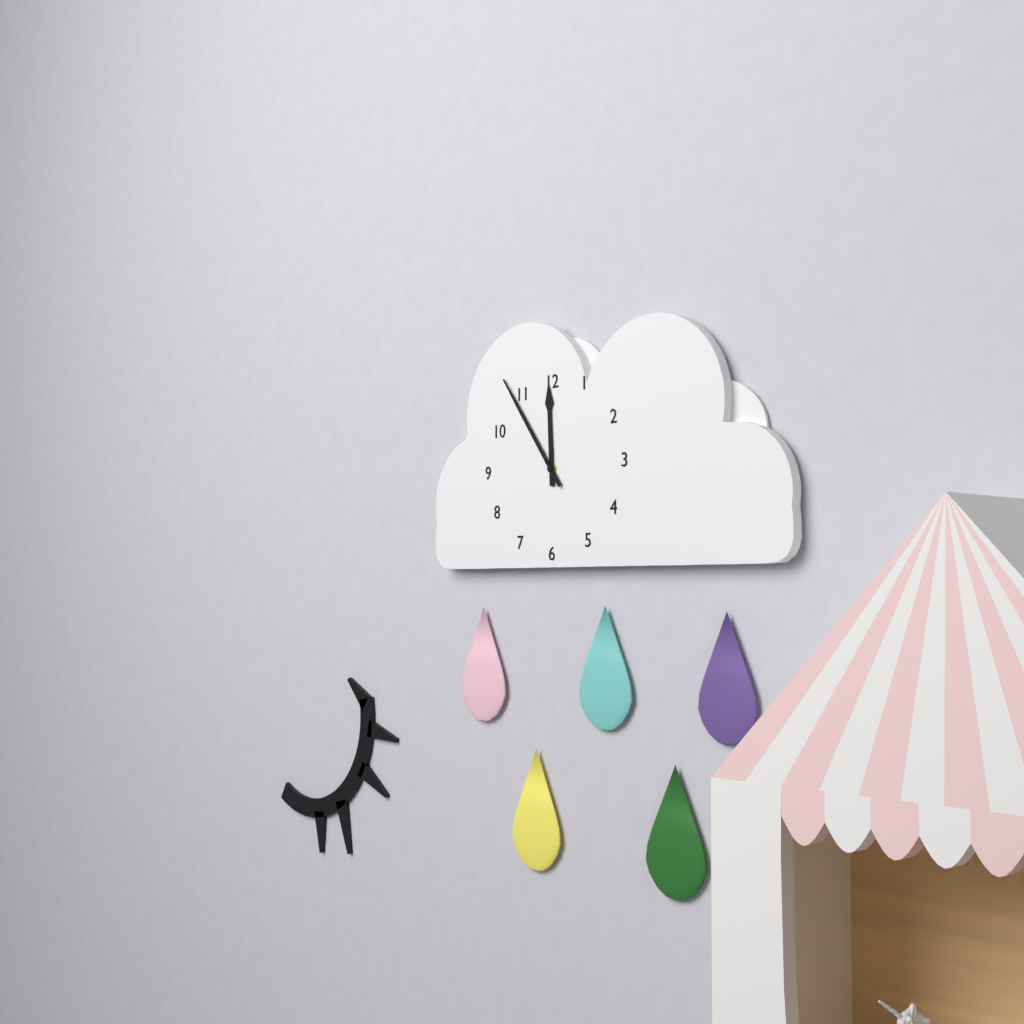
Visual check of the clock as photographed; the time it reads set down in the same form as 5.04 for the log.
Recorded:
11.54
